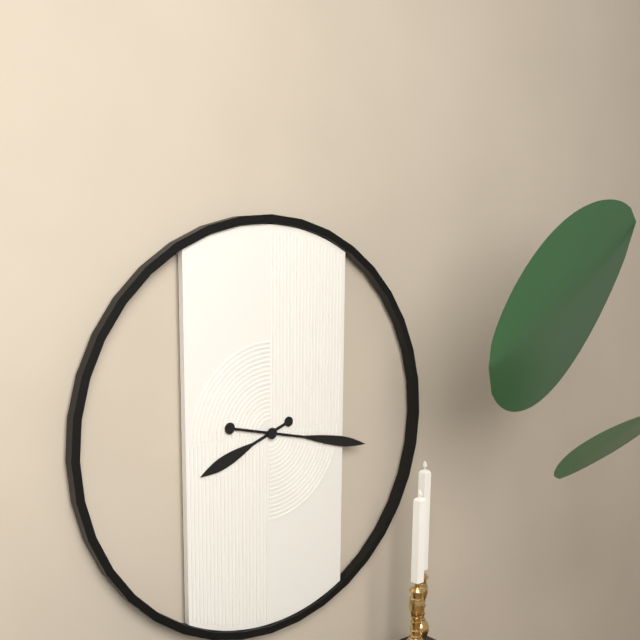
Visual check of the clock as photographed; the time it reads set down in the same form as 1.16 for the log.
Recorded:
8.17
